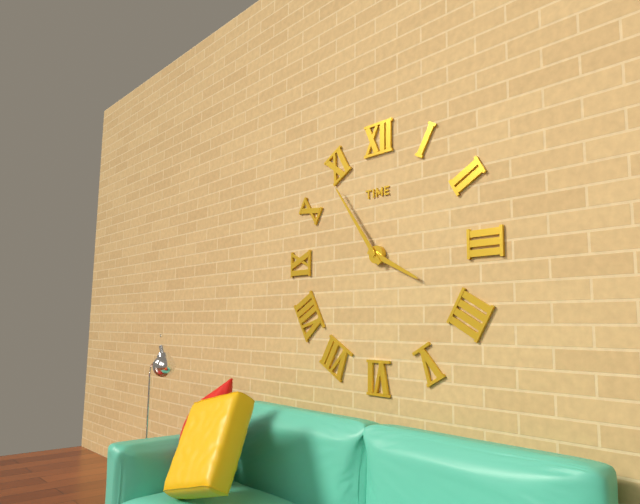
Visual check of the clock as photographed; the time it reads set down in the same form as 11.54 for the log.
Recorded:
3.54
